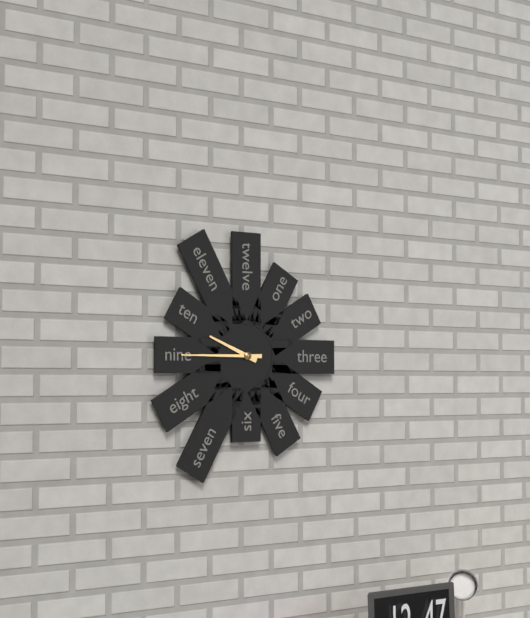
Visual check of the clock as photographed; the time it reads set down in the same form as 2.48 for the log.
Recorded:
9.45
